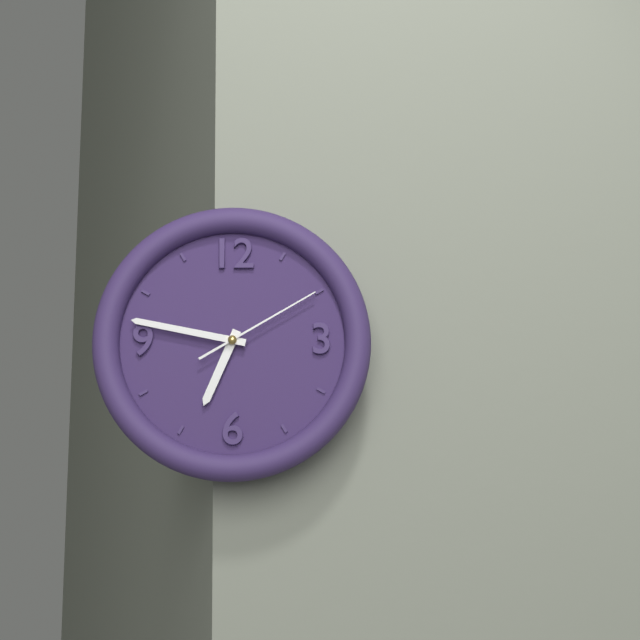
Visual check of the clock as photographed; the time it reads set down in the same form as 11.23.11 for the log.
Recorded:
6.47.10
